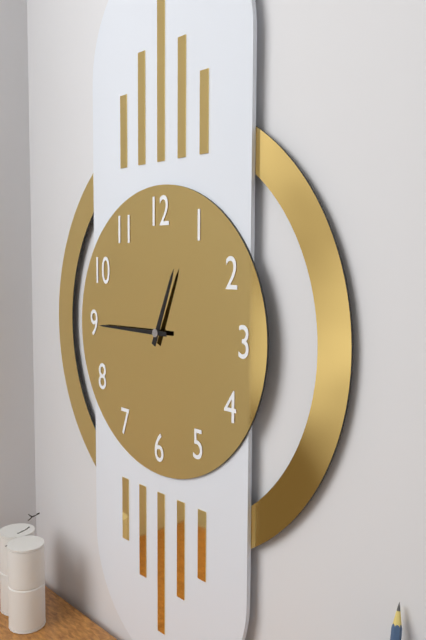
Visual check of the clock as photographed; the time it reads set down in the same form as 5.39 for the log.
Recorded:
12.45
